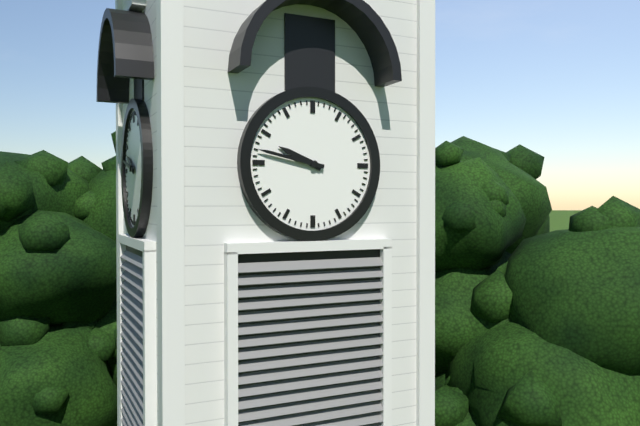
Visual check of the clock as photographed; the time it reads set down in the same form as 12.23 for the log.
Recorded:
9.47
